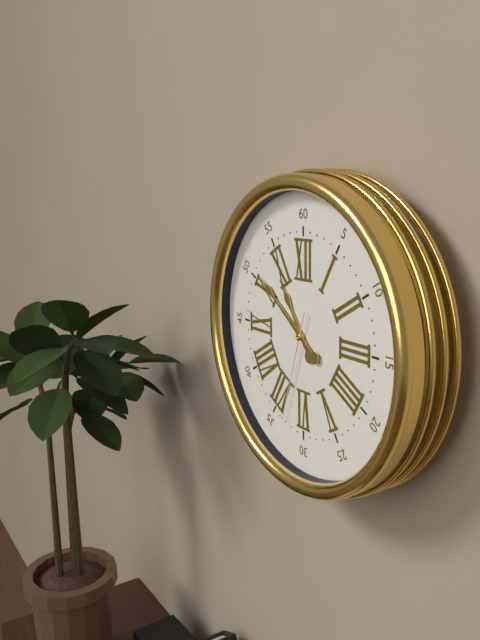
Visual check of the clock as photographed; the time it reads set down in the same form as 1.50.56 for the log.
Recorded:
10.51.33
